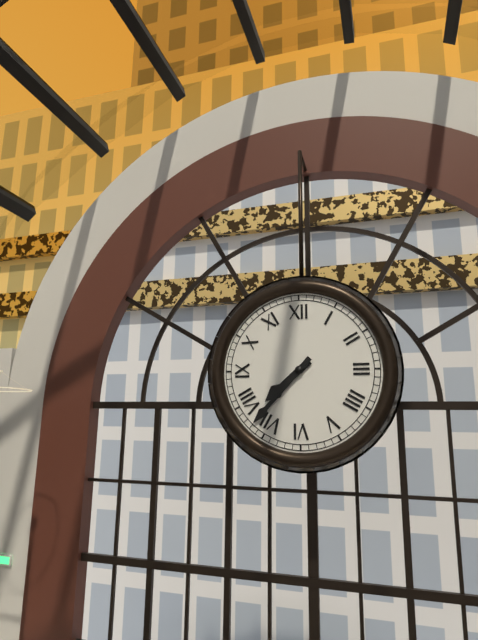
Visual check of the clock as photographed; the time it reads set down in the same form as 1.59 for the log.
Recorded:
7.37
